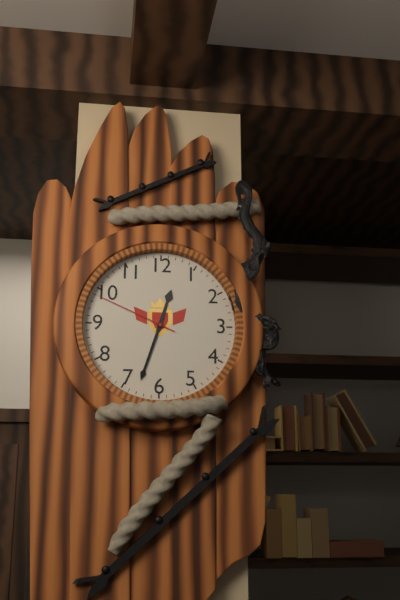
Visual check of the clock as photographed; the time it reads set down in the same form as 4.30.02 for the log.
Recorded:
12.33.49
